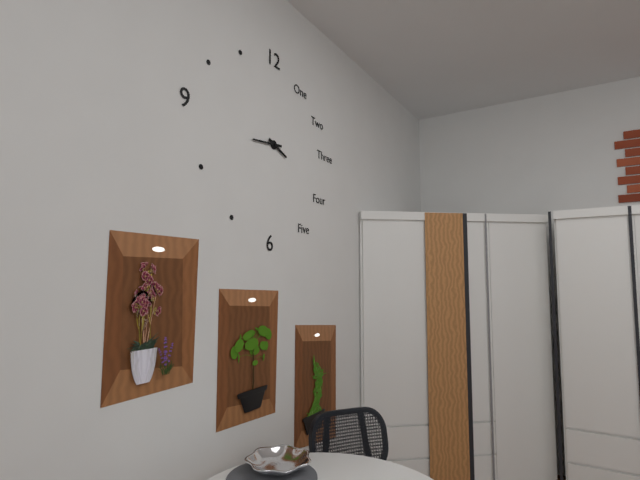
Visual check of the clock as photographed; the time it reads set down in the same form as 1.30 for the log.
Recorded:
3.44
